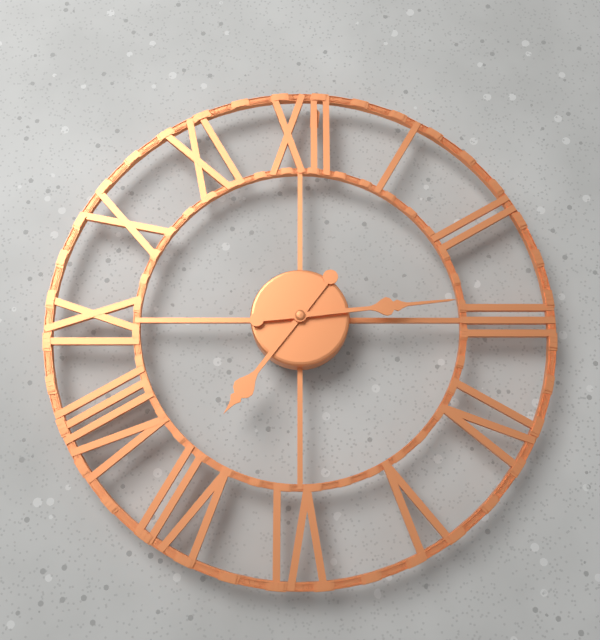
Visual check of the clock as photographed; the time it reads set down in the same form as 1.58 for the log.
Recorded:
7.14
